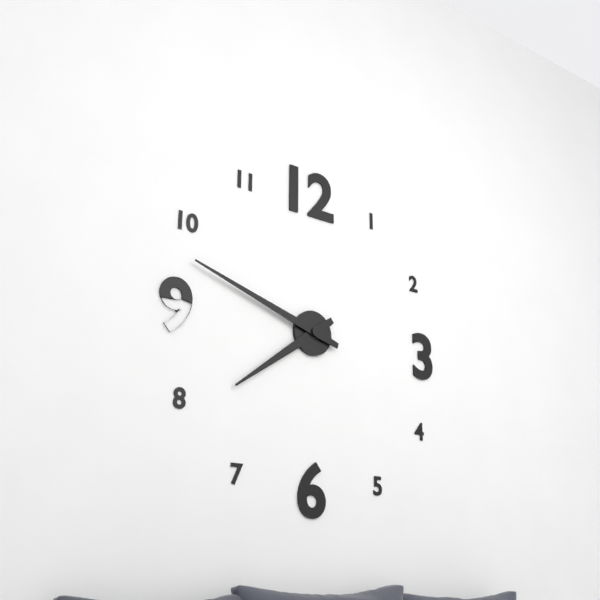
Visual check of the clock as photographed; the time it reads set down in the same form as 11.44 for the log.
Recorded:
7.48
